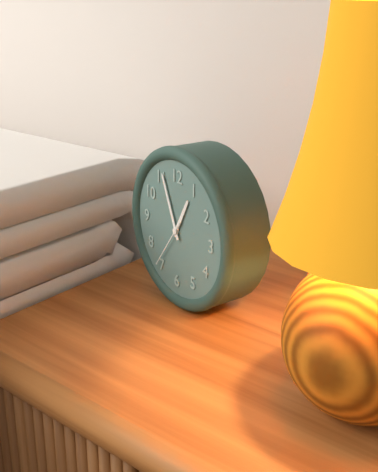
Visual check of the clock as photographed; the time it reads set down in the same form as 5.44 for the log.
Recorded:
12.56
